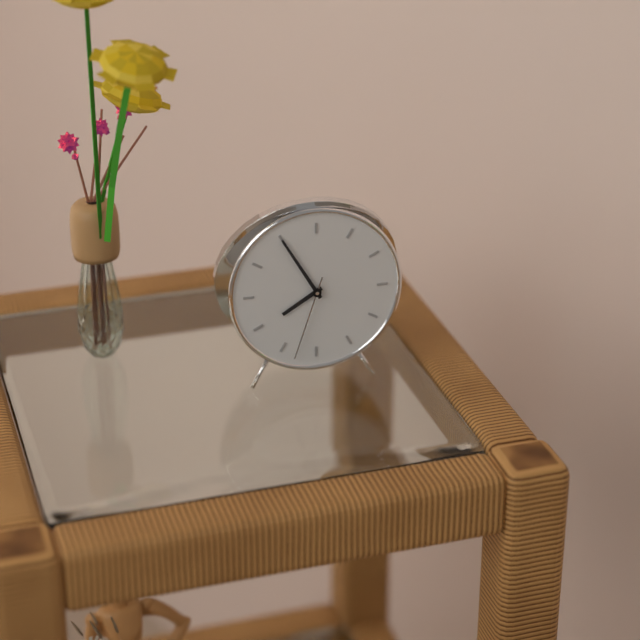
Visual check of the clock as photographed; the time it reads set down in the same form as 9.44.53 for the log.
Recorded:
7.55.33
